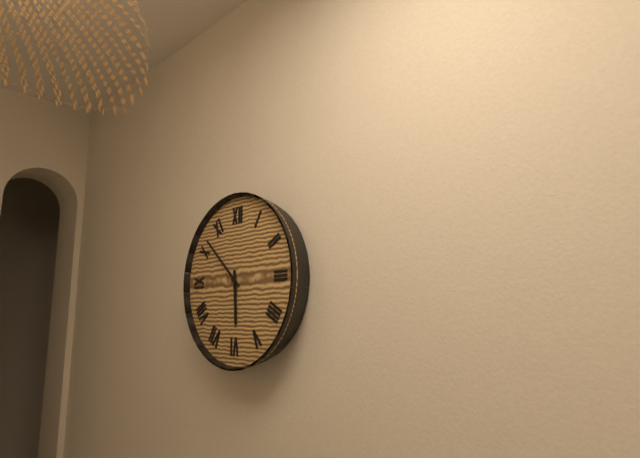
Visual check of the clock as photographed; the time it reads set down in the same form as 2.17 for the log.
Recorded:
5.52
